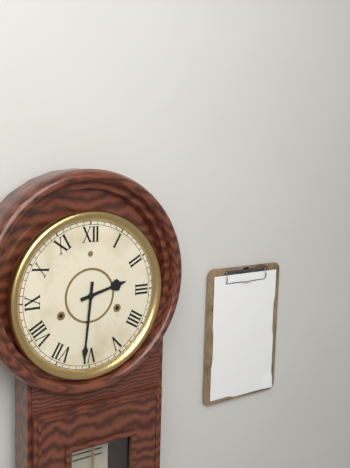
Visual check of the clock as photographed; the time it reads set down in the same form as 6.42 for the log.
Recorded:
2.31
